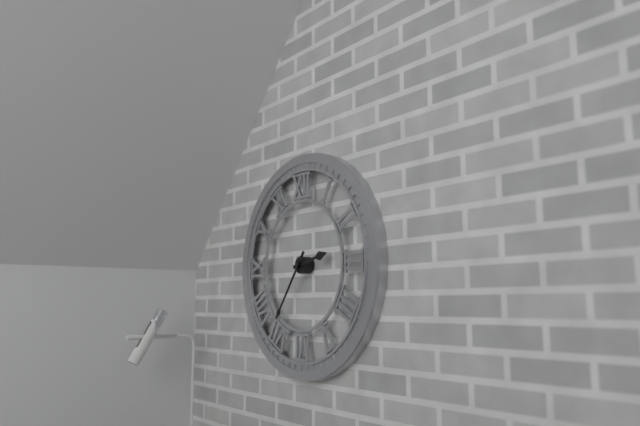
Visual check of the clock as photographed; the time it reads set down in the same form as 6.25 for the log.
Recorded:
2.36
